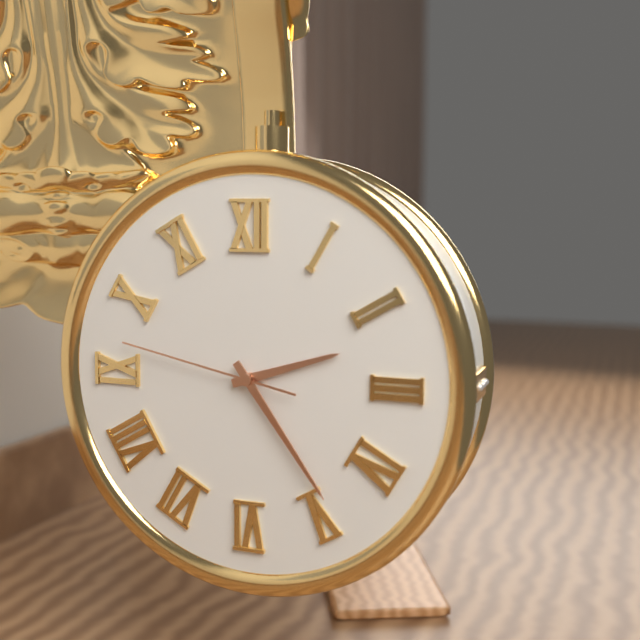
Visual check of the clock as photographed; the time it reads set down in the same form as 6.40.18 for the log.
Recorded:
2.24.47
